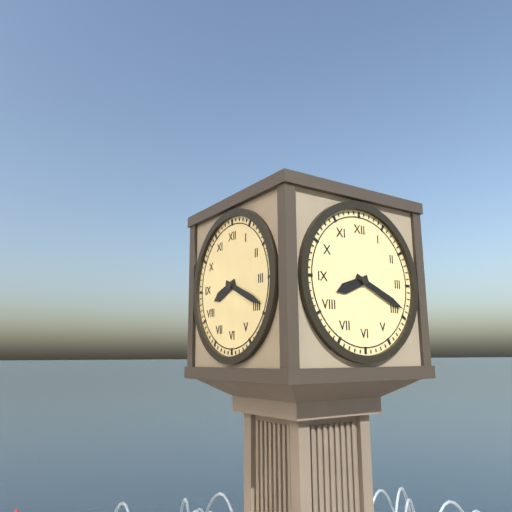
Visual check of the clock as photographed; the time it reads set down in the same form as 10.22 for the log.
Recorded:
8.19
